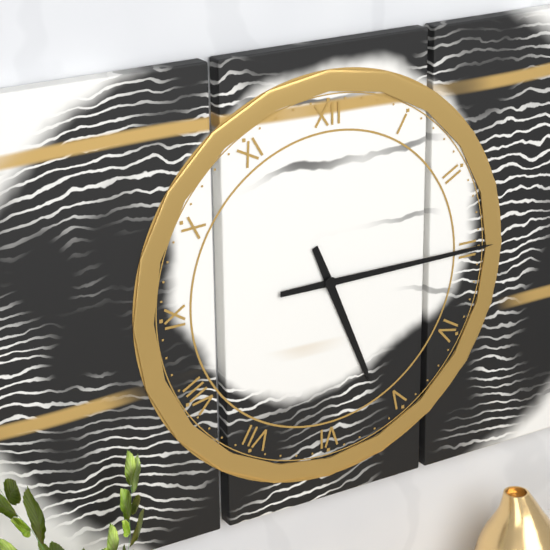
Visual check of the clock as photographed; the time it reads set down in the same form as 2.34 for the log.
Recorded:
5.15
